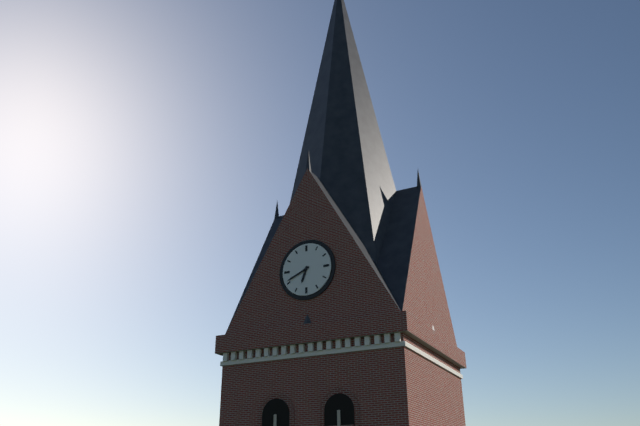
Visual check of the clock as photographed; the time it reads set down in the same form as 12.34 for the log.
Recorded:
6.41
